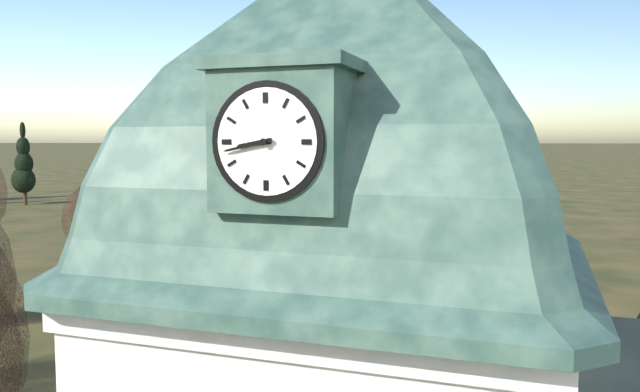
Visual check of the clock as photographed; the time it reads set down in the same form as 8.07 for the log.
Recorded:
8.43
